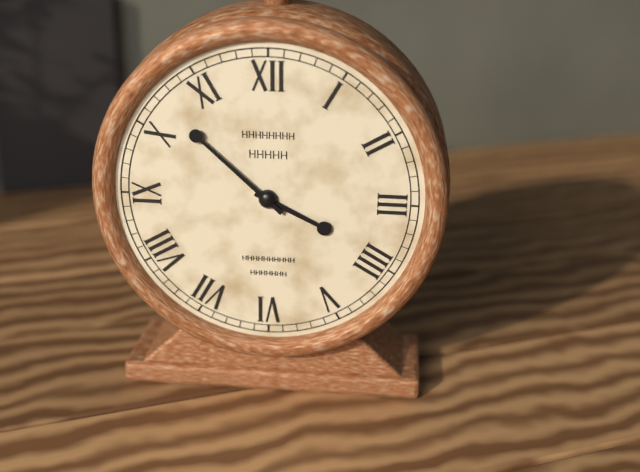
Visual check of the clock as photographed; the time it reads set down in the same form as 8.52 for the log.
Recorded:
3.52
